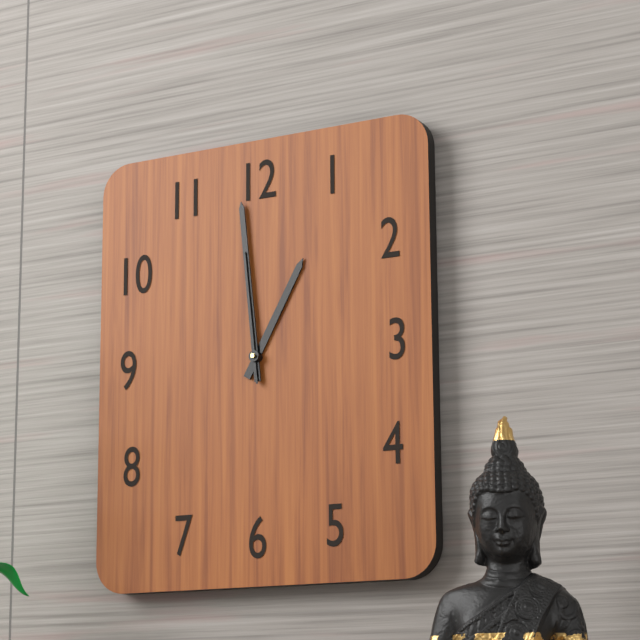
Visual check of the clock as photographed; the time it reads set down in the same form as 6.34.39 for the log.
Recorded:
12.59.59
